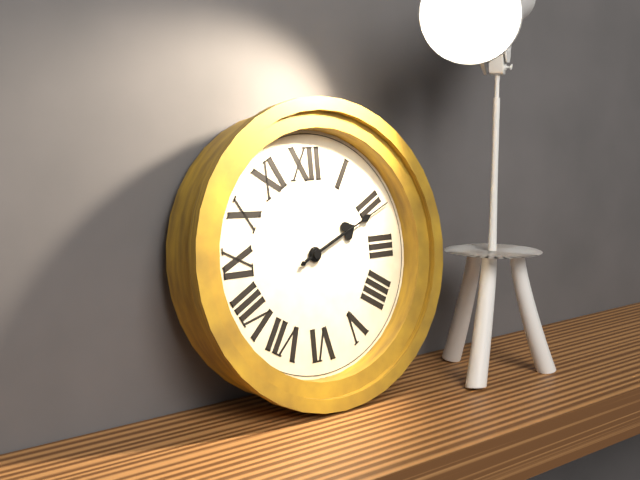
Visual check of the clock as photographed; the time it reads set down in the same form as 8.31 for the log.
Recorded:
2.11
